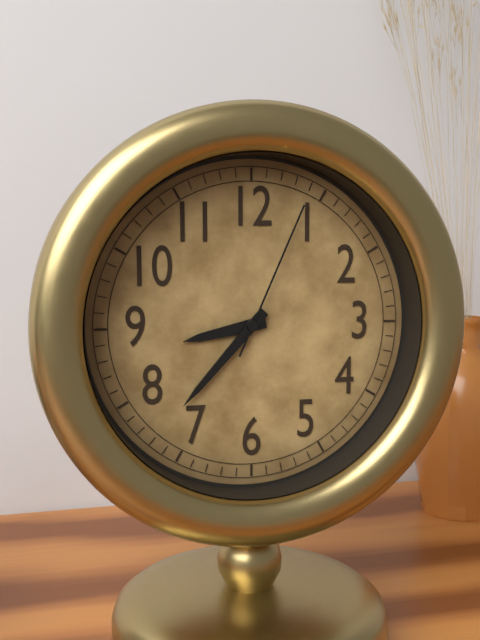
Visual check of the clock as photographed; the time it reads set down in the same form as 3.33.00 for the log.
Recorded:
8.37.04
